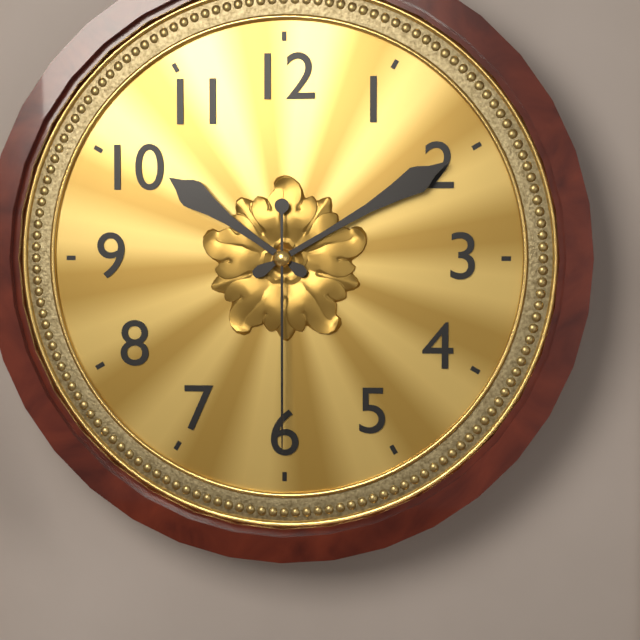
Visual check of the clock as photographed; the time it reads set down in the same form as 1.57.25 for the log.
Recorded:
10.10.30
